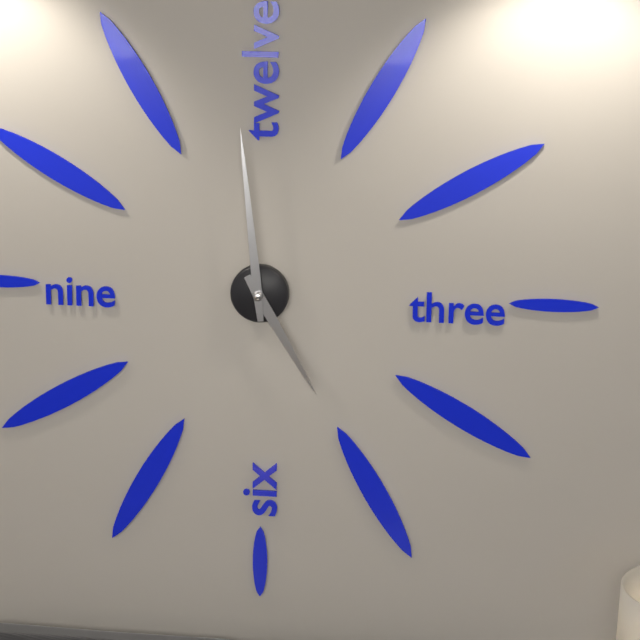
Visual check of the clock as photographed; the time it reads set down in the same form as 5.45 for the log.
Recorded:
4.59
